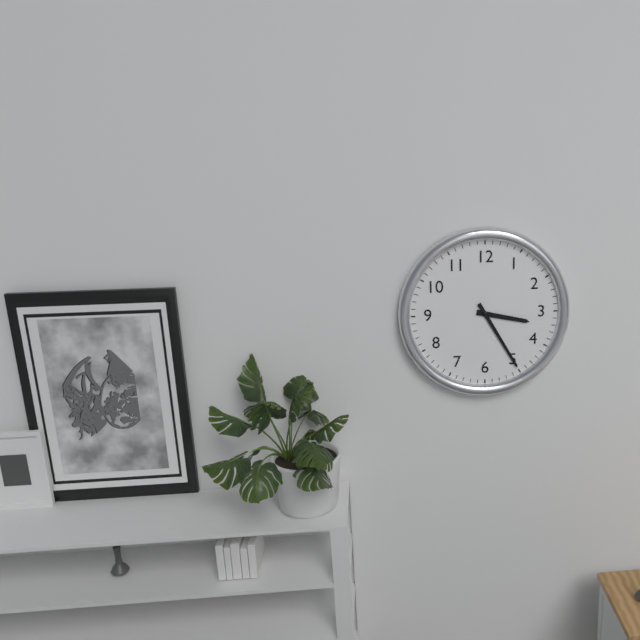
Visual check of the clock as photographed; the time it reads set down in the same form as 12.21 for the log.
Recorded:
3.25
